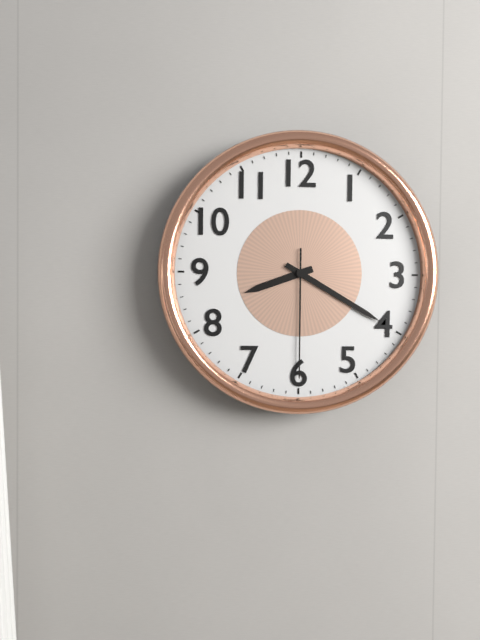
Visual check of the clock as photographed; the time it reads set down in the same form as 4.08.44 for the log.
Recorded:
8.20.30
